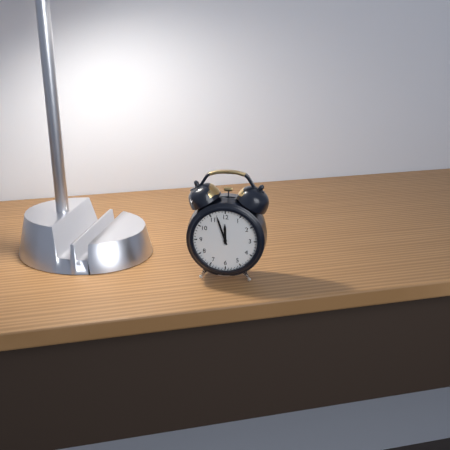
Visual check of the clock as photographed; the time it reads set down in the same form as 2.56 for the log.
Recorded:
11.57
